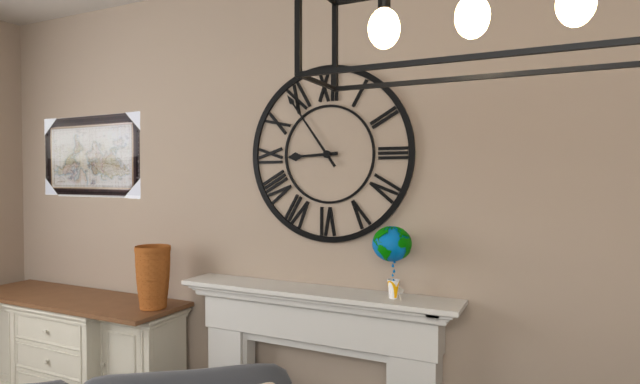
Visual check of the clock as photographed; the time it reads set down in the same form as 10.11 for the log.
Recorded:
8.54
